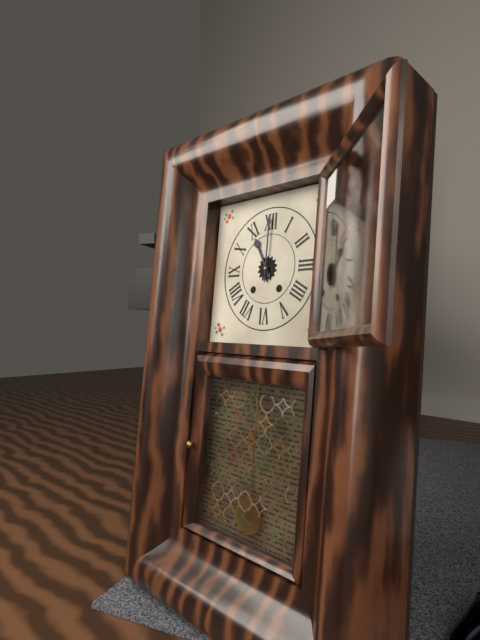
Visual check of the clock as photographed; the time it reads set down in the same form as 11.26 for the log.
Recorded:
11.00
